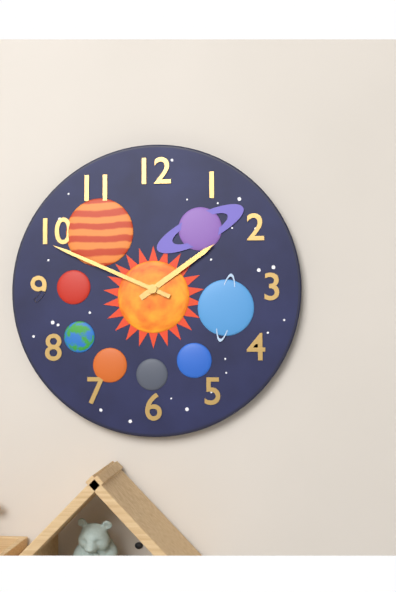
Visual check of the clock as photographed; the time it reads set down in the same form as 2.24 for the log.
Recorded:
1.49
